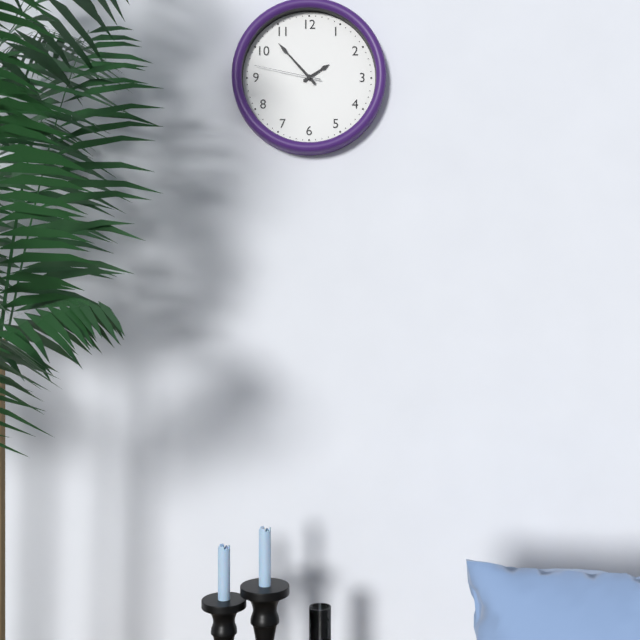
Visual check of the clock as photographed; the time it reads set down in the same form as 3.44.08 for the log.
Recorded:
1.53.47
